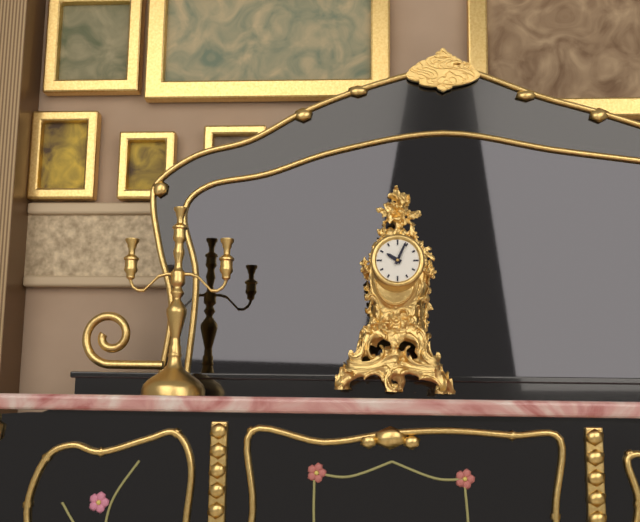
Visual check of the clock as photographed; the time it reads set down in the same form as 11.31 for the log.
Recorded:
10.04
